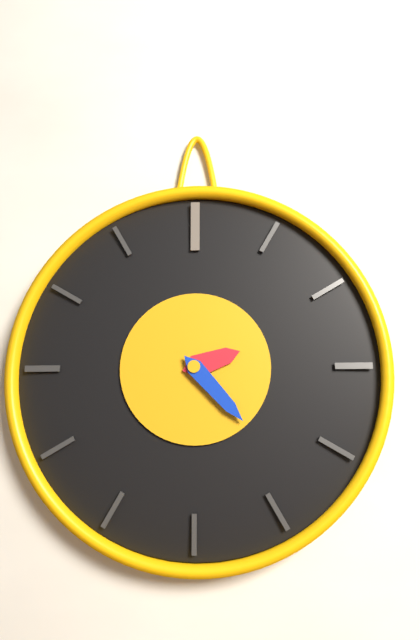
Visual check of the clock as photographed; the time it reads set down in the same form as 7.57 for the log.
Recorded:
2.23
